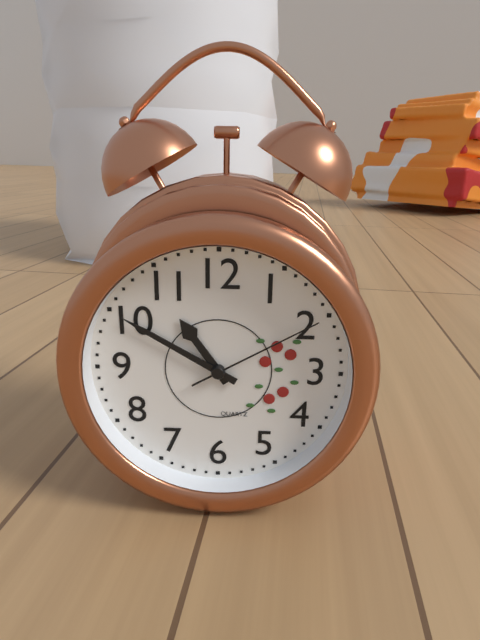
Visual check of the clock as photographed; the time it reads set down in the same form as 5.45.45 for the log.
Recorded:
10.50.10
